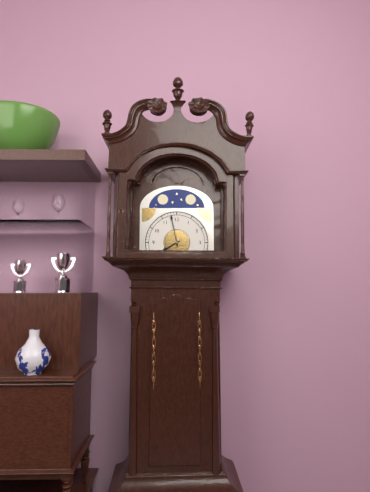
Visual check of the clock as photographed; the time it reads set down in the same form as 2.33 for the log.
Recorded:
7.58
